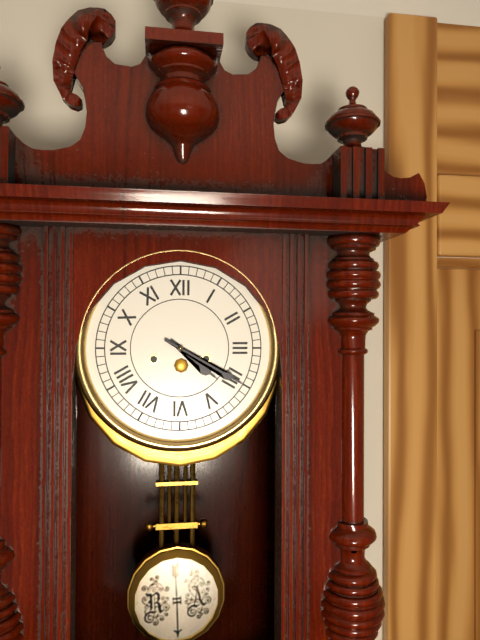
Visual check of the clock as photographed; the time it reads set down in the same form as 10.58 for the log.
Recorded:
4.20
